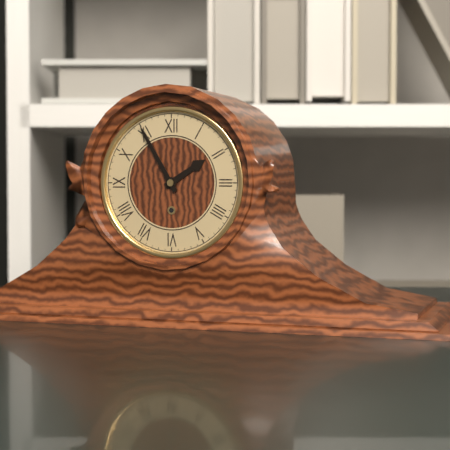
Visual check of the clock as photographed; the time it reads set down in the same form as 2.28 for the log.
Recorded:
1.55
